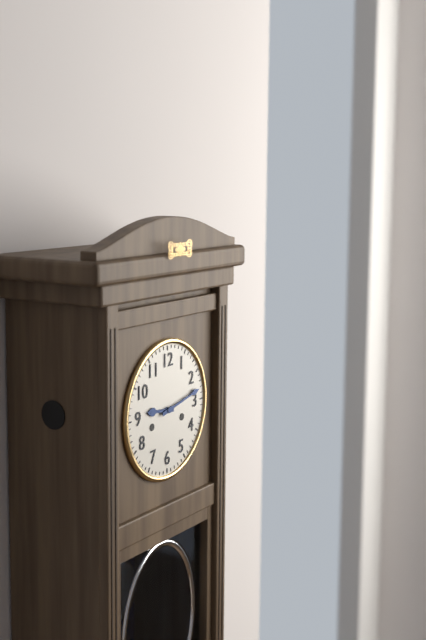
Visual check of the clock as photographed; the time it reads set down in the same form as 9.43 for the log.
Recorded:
9.13
